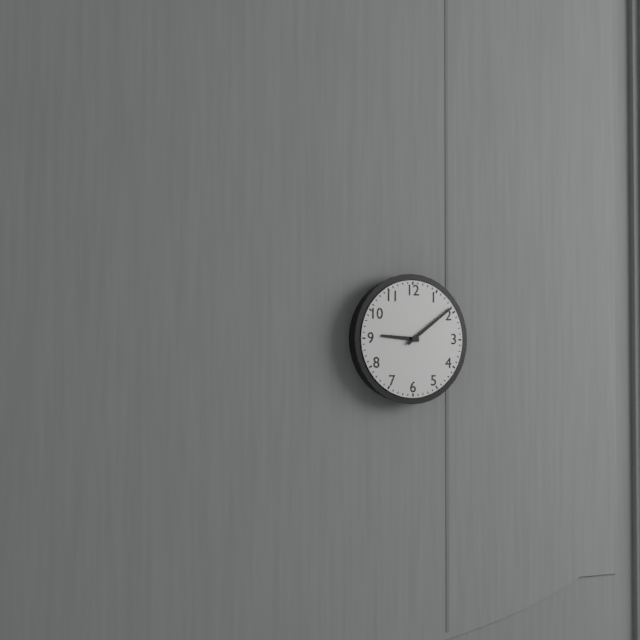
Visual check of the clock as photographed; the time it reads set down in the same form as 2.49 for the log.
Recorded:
9.09
